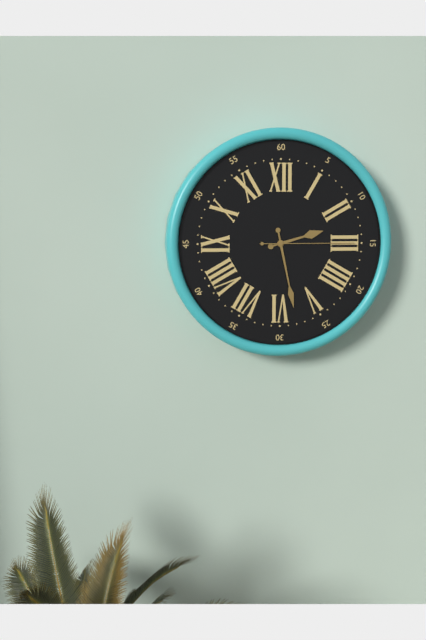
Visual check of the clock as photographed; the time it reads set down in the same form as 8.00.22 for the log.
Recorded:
2.28.15
